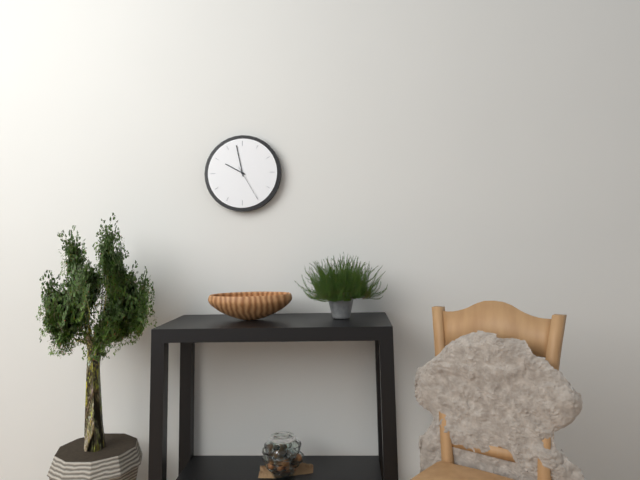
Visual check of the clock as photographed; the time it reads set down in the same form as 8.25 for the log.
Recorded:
9.58
